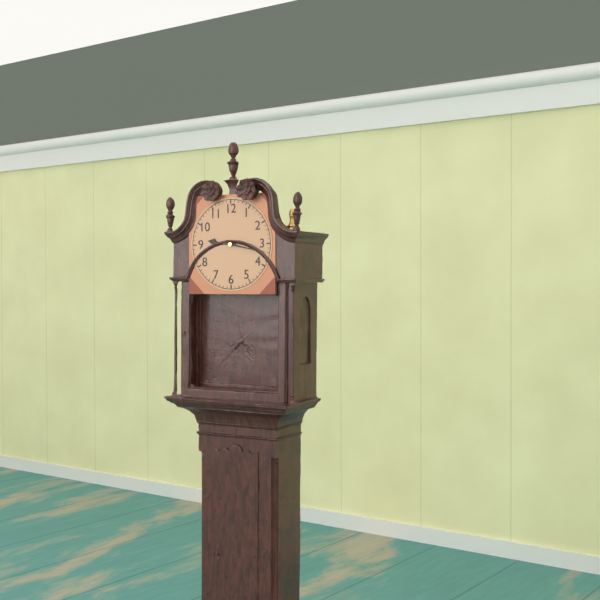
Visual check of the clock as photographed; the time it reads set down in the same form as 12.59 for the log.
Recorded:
9.17
